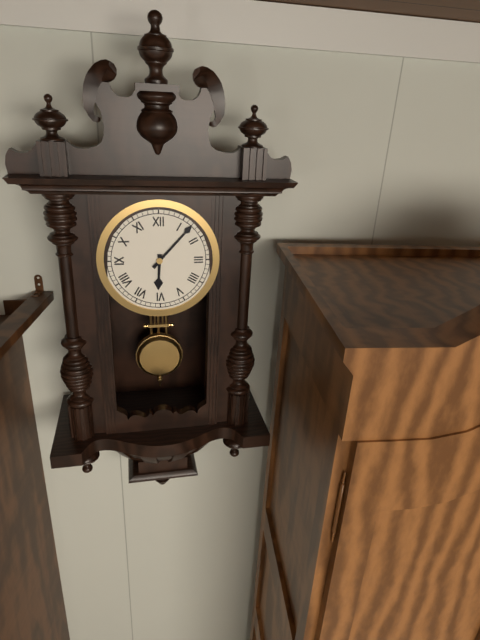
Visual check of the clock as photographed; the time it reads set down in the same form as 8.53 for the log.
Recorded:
6.07
